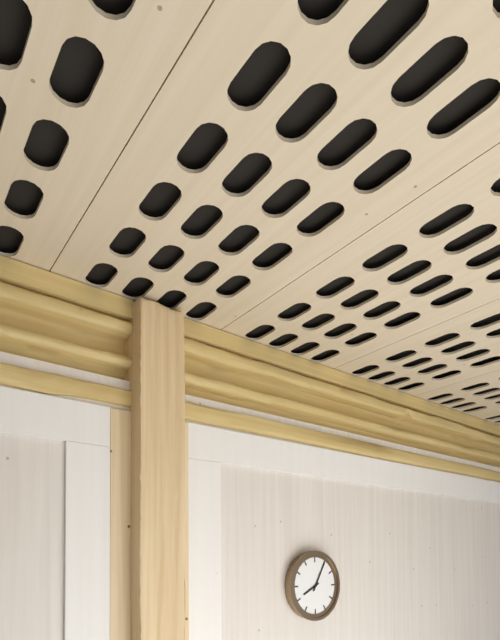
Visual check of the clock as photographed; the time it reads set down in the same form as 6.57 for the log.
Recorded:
8.05
